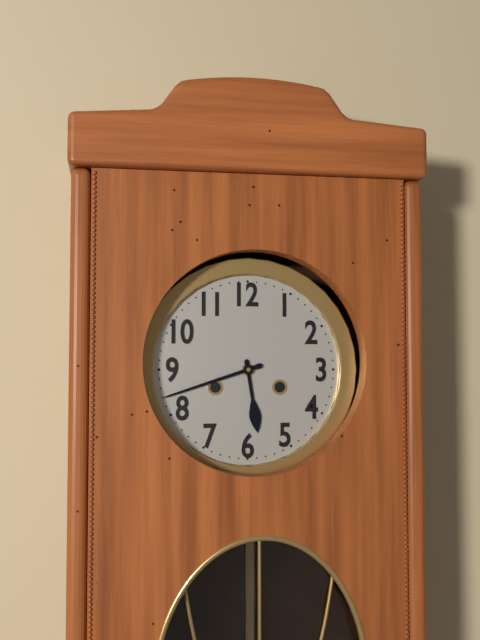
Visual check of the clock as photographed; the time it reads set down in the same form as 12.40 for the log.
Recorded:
5.42
